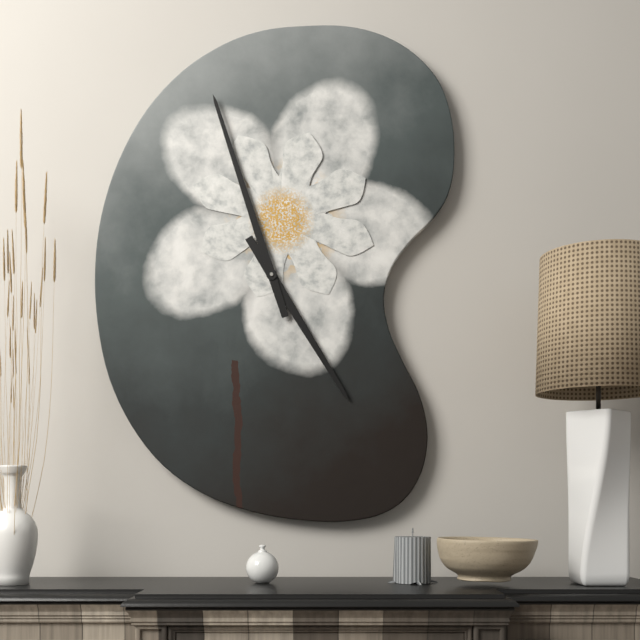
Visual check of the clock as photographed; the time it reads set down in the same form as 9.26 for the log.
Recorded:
4.57
